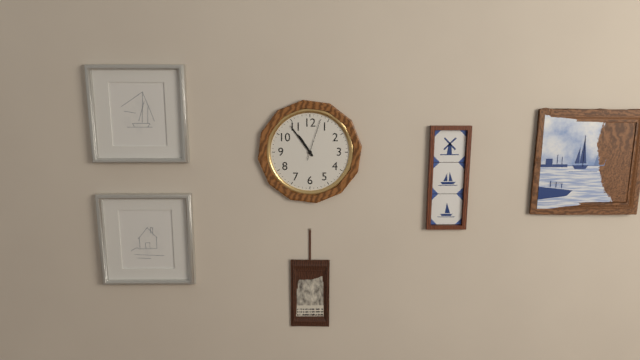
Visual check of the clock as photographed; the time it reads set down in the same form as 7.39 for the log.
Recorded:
10.54
